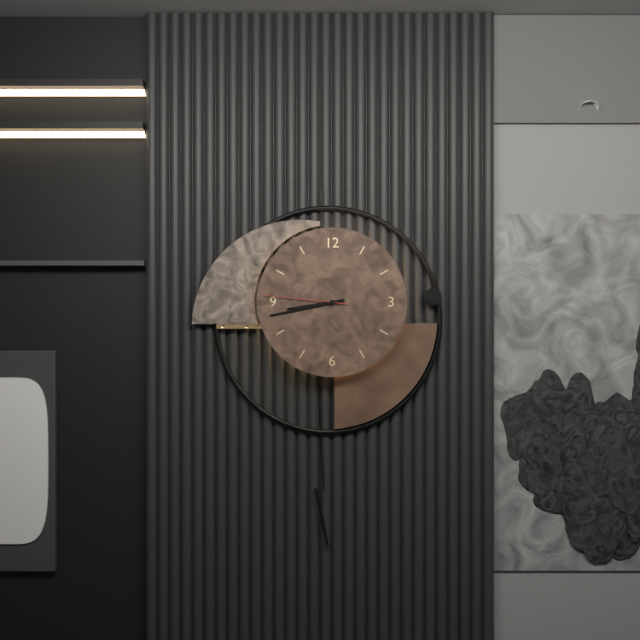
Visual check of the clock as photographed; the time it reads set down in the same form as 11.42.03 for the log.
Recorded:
8.43.46
